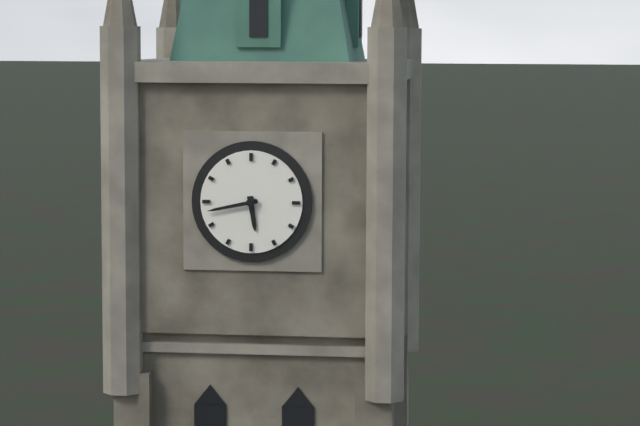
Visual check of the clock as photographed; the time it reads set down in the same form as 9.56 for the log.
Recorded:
5.43
